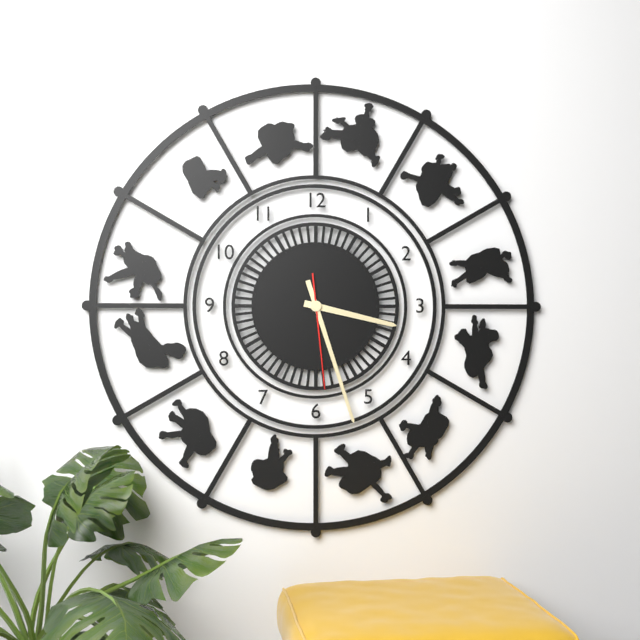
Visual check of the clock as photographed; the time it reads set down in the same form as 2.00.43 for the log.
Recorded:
3.27.29
